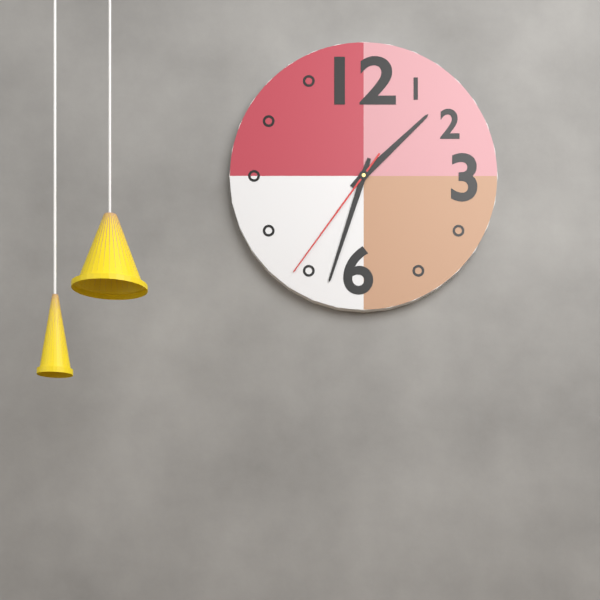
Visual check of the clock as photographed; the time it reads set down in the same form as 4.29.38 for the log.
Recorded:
1.33.36
